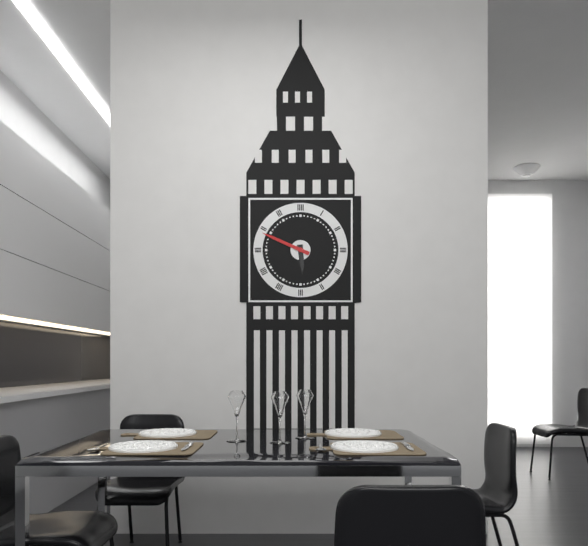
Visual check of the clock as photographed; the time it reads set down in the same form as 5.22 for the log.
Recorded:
5.49
